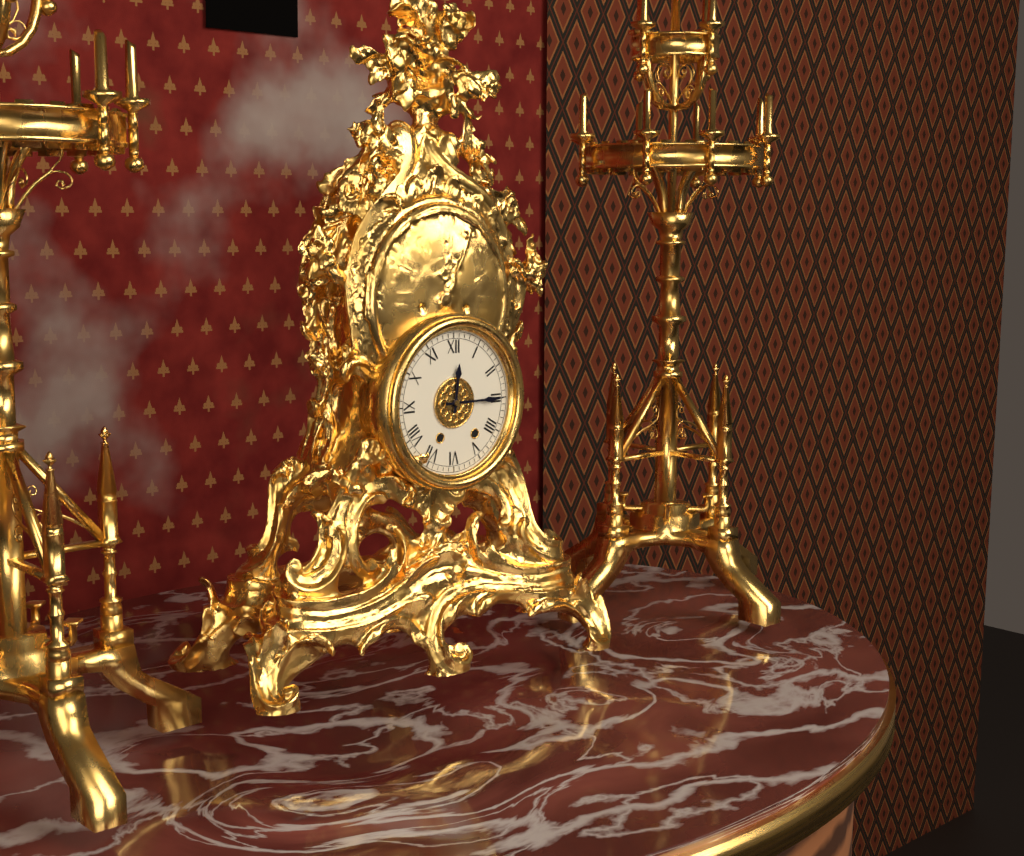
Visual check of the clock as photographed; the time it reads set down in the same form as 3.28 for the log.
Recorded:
12.15
